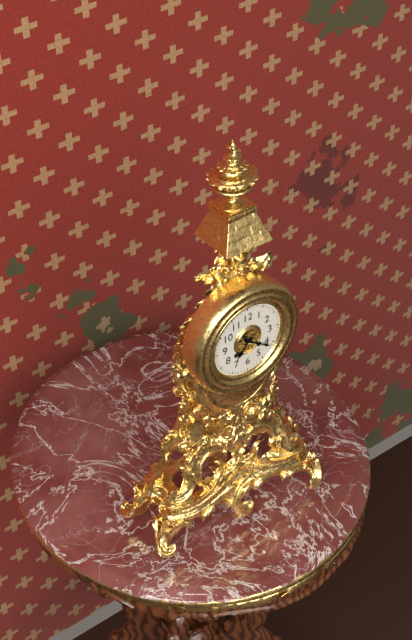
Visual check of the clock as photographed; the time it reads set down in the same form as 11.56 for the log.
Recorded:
7.21
